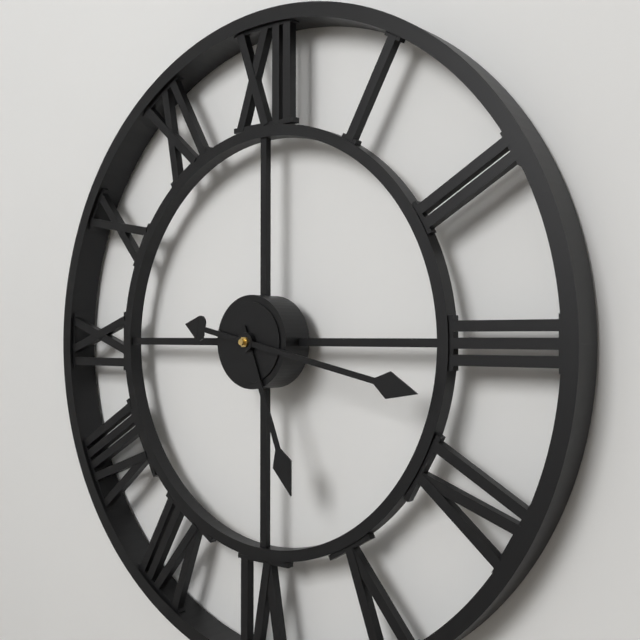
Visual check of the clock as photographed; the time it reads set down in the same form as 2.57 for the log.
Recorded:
5.17
